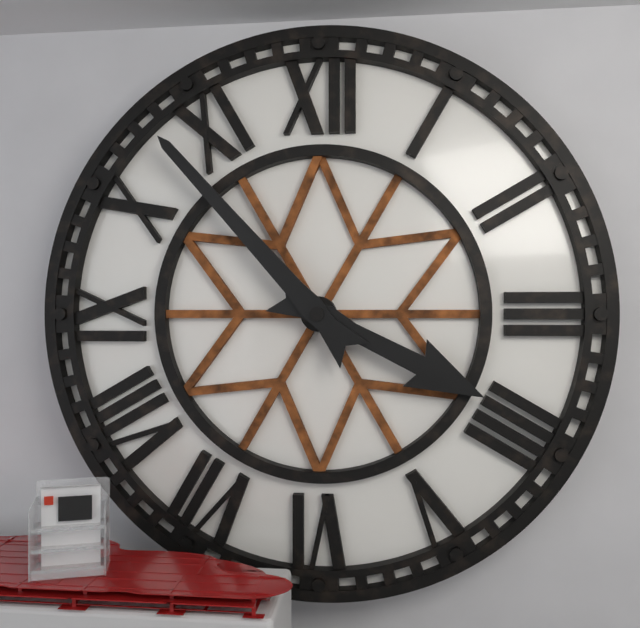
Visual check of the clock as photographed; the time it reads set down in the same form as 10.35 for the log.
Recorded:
3.53
